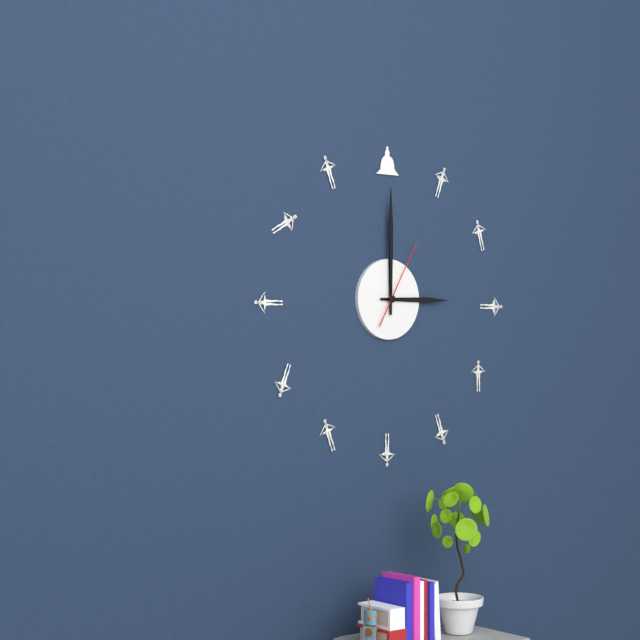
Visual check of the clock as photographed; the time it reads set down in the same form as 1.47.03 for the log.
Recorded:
3.00.05
